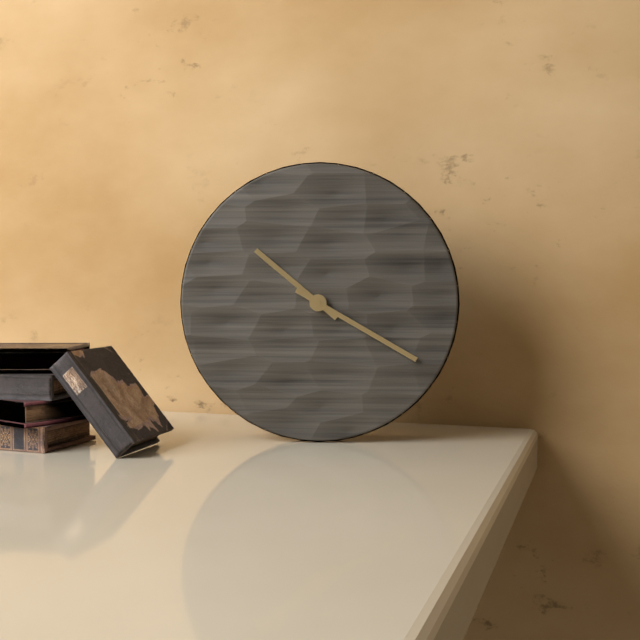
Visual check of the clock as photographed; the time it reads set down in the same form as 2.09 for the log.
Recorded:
10.20
